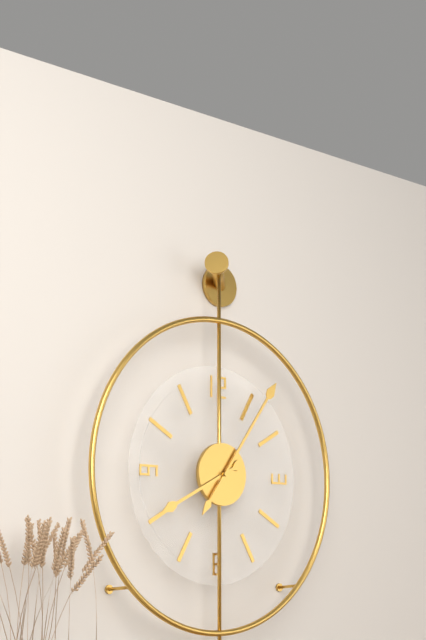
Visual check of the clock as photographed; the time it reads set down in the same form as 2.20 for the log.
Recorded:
8.06
